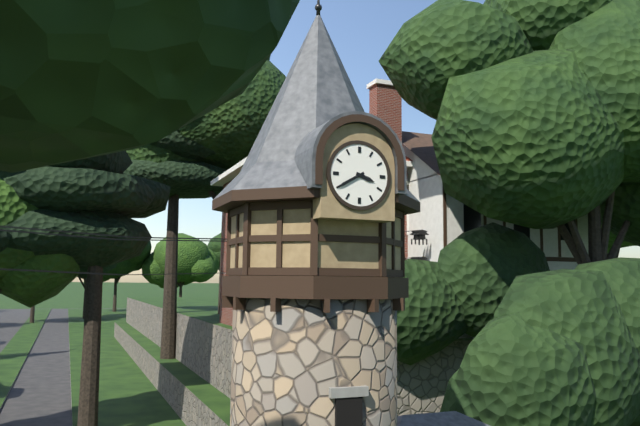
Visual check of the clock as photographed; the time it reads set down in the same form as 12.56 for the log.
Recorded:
3.40
